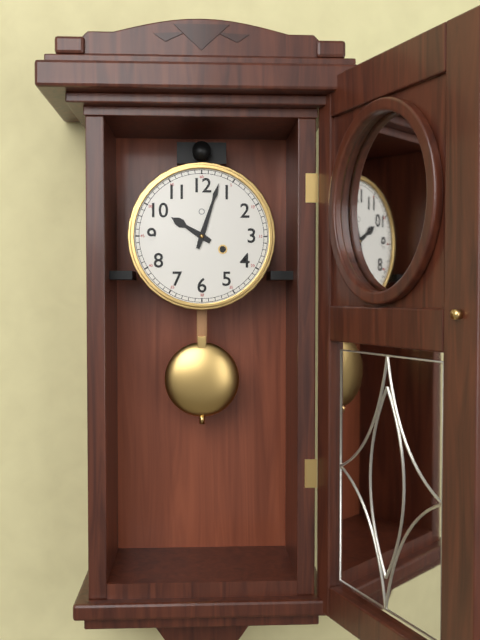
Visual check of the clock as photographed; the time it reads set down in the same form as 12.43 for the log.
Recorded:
10.03
